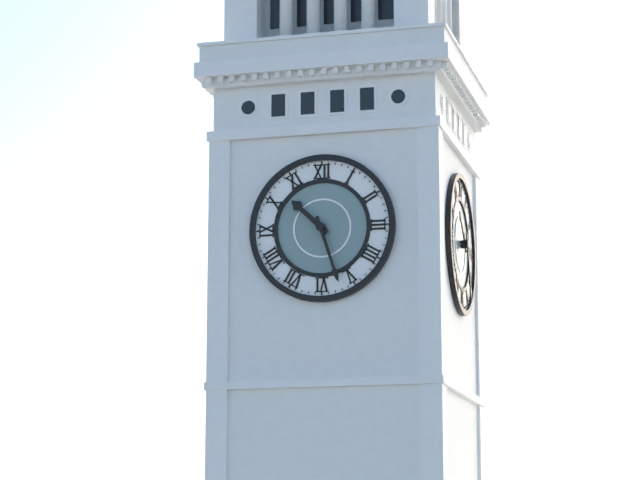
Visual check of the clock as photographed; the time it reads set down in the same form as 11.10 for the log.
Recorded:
10.27
